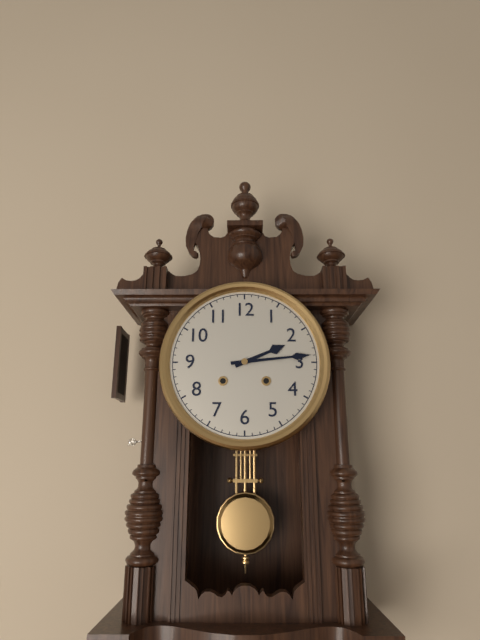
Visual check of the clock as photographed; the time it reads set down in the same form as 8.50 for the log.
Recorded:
2.14
